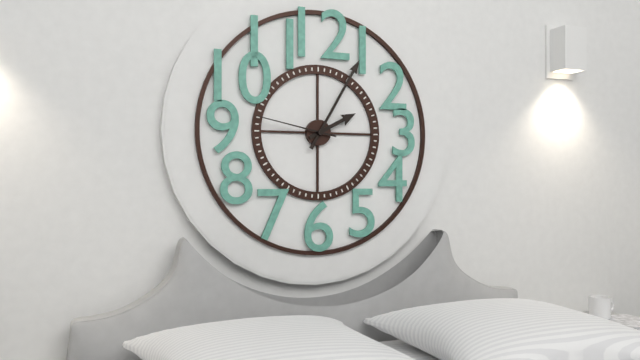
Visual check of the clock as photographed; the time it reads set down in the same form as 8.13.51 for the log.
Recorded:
2.05.47
